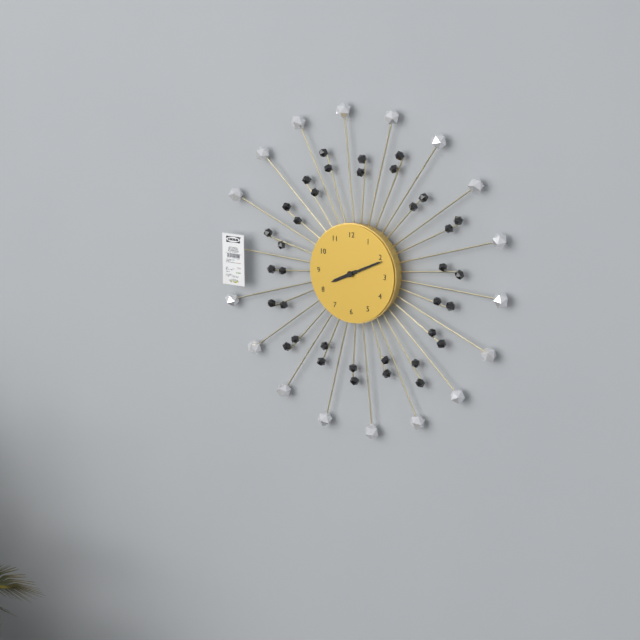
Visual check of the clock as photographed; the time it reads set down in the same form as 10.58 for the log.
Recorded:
8.11
